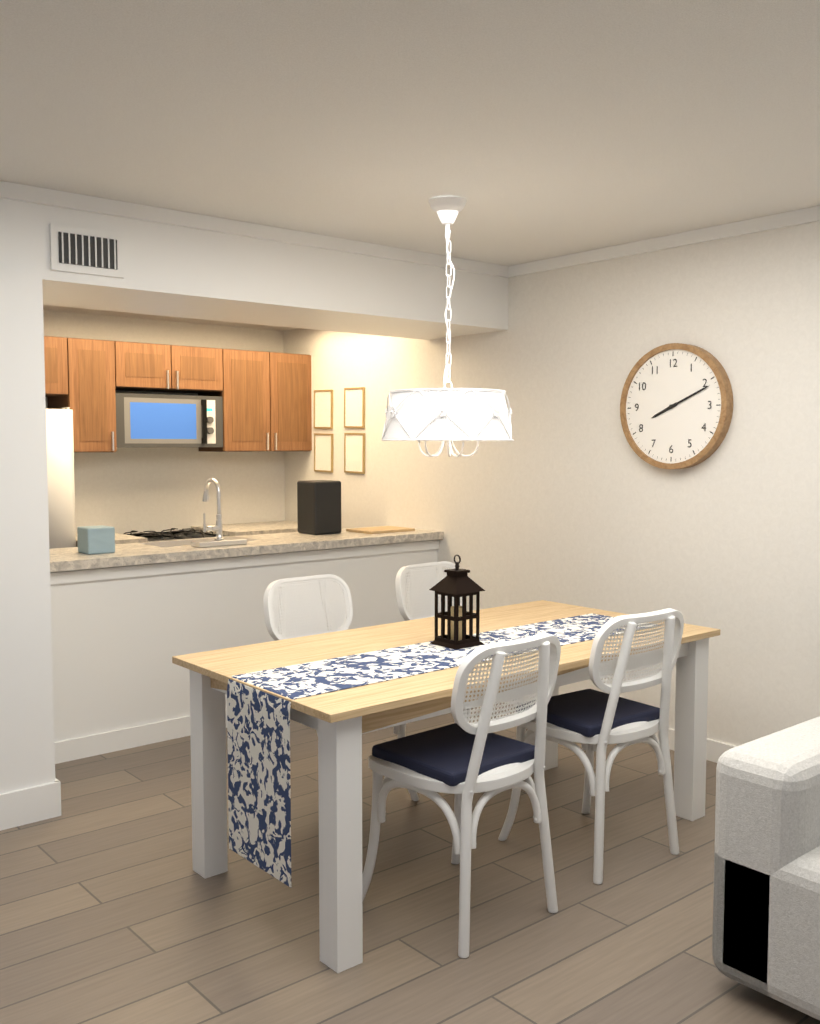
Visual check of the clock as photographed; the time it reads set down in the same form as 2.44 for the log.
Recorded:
8.11
